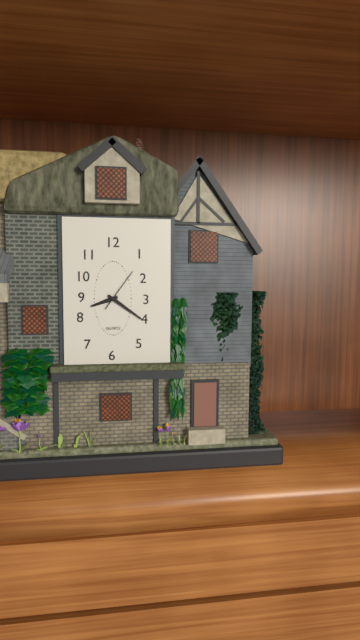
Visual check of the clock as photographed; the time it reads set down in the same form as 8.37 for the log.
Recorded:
8.21
